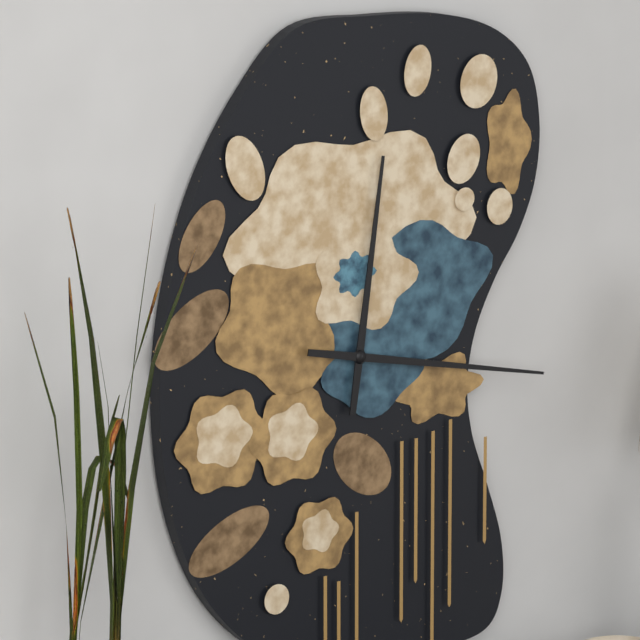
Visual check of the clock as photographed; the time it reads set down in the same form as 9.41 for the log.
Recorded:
12.17
